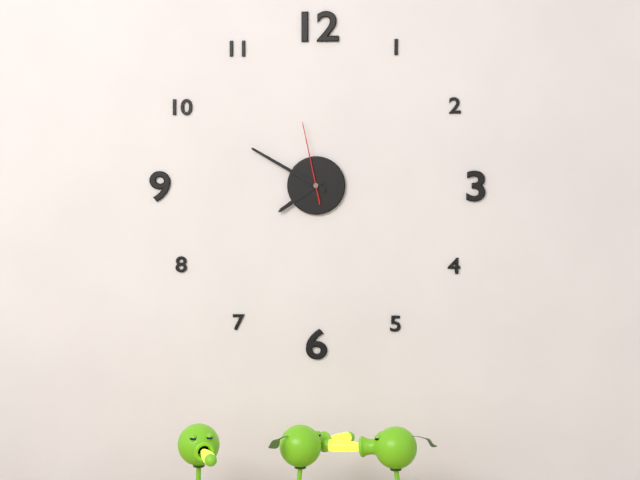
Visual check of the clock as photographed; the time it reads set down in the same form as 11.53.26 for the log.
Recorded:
7.50.58
